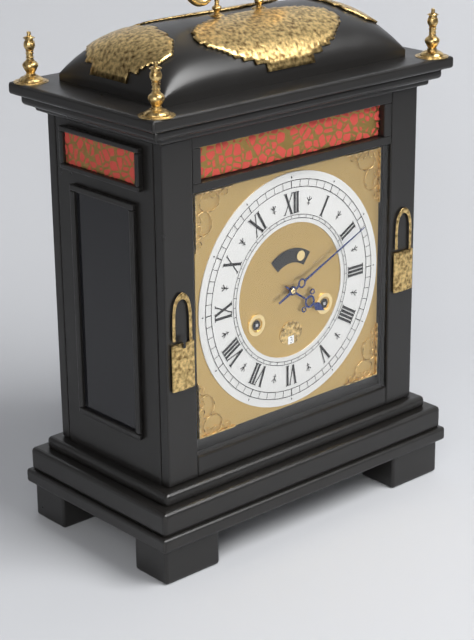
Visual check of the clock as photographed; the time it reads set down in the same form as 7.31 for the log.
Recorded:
4.11
